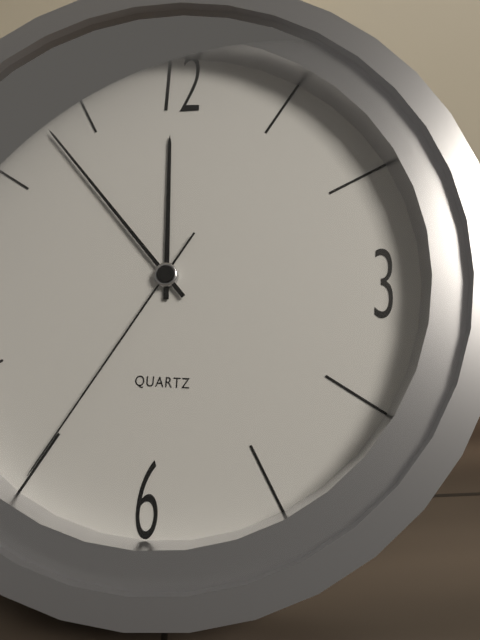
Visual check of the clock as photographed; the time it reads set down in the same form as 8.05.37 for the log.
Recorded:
11.53.35
